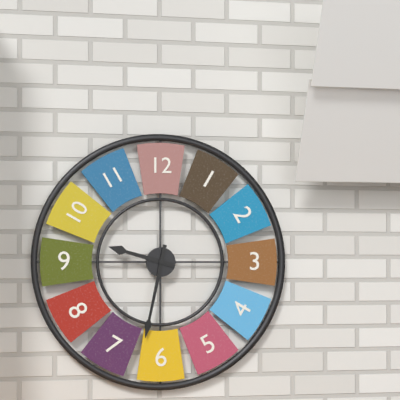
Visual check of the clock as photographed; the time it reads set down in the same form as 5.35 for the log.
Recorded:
9.32
